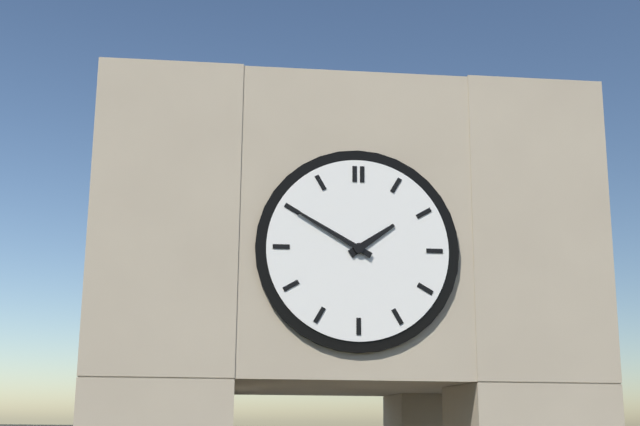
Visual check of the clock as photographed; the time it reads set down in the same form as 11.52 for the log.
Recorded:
1.50
